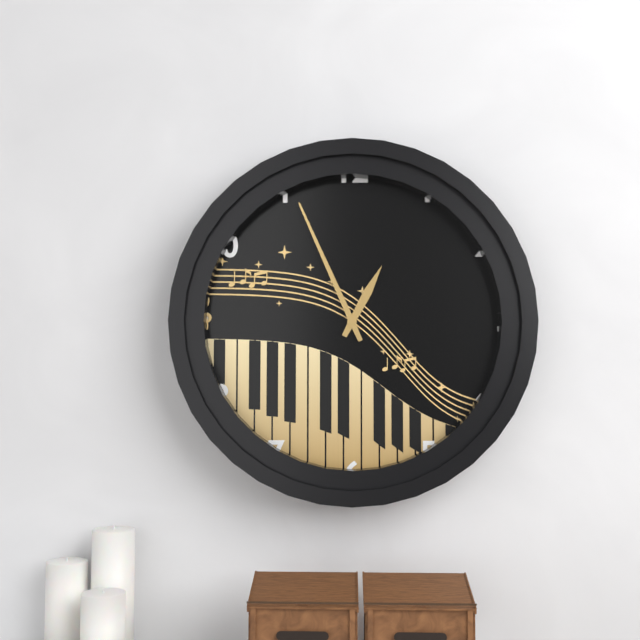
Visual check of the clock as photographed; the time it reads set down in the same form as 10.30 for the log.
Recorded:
12.56
